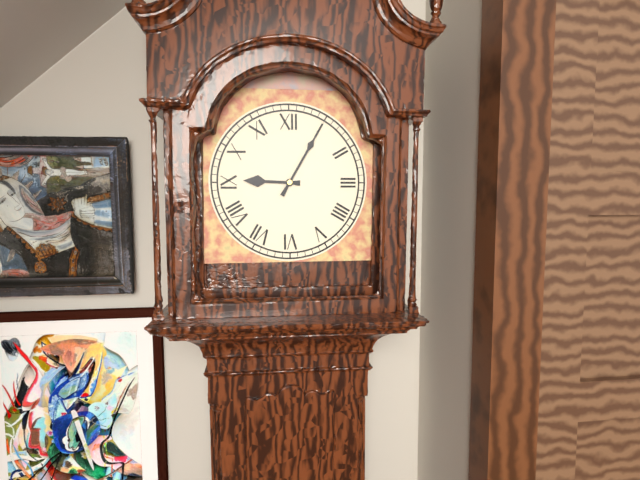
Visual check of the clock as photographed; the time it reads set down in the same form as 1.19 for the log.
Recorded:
9.05
